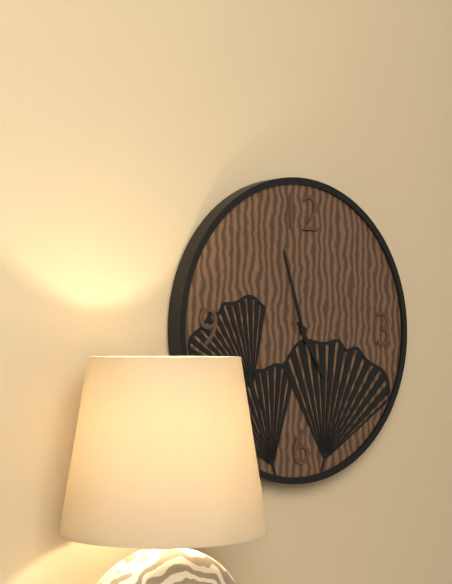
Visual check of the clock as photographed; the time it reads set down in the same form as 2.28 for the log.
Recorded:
4.57
